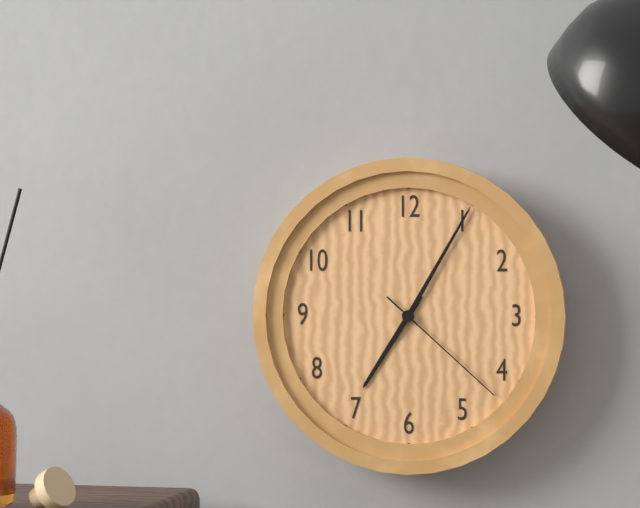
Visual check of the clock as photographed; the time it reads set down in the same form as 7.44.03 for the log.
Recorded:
7.05.22
